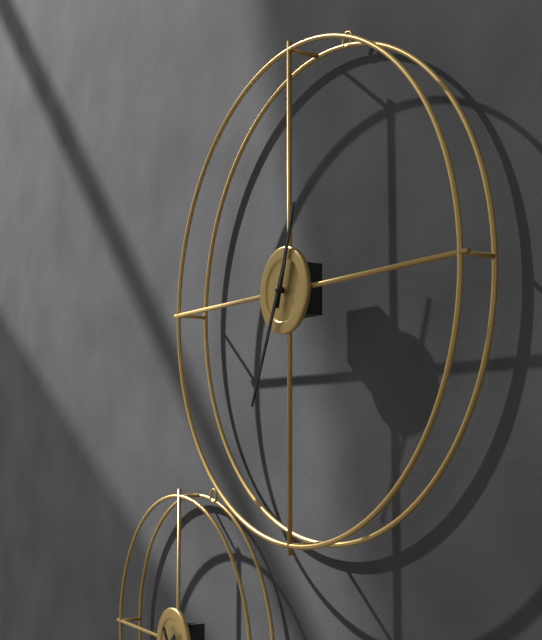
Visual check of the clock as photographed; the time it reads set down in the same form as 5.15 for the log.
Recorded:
12.34
